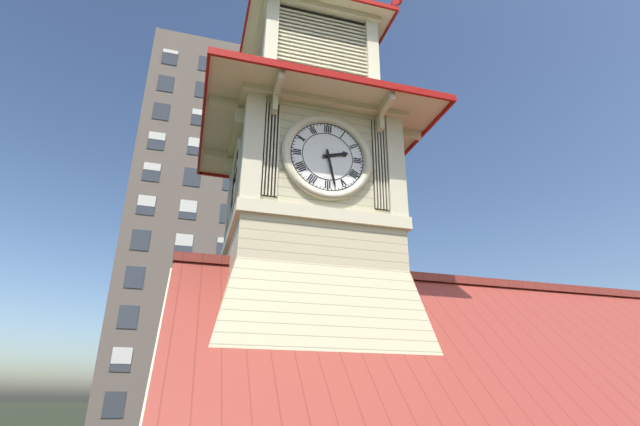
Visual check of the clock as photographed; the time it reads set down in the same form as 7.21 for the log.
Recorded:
2.28
